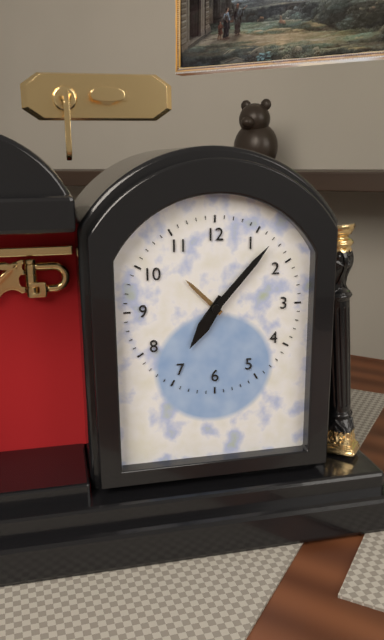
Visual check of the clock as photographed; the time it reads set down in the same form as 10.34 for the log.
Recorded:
7.07
